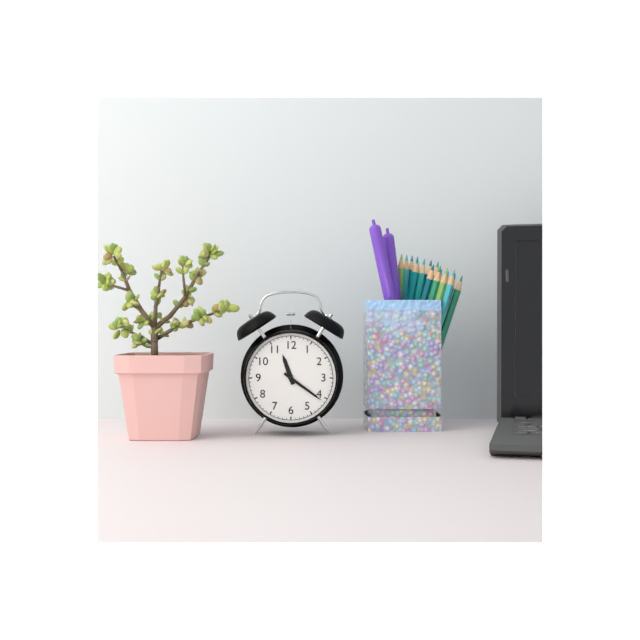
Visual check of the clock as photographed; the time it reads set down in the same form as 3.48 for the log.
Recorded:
11.21
